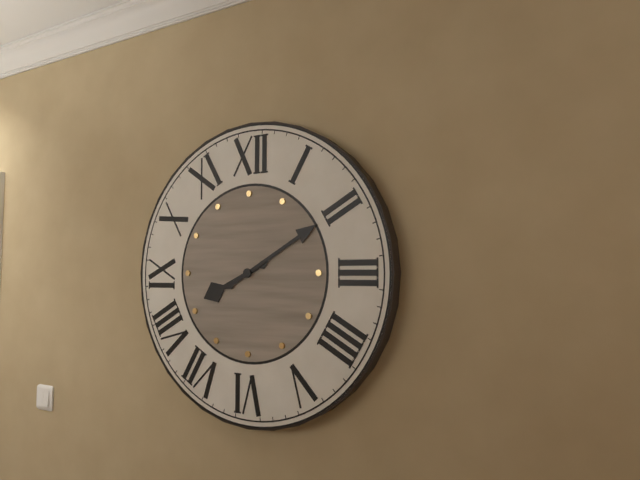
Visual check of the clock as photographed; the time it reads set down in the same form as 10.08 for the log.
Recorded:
8.10
